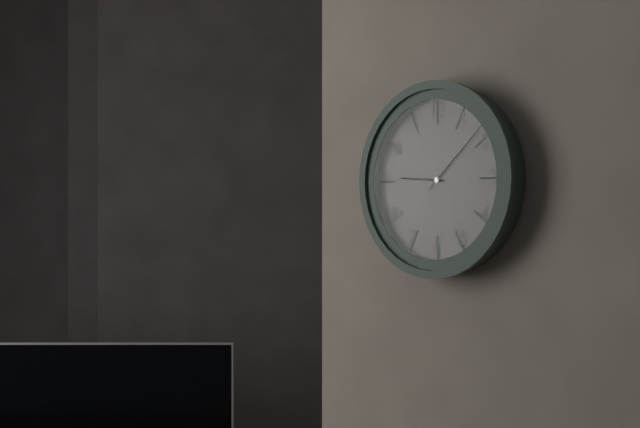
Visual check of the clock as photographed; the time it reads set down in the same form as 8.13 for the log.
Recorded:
9.08
